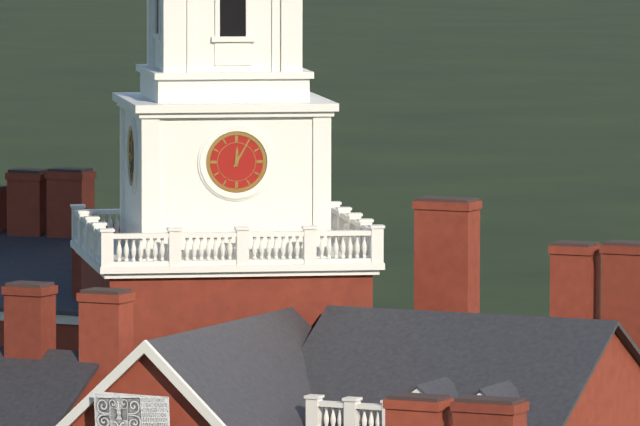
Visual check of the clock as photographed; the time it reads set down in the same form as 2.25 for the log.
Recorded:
12.05
